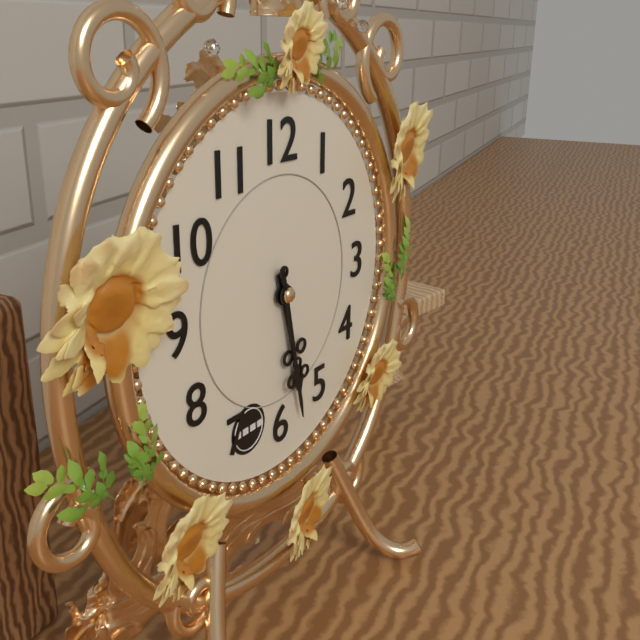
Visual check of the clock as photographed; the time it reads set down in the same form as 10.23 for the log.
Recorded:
5.28
